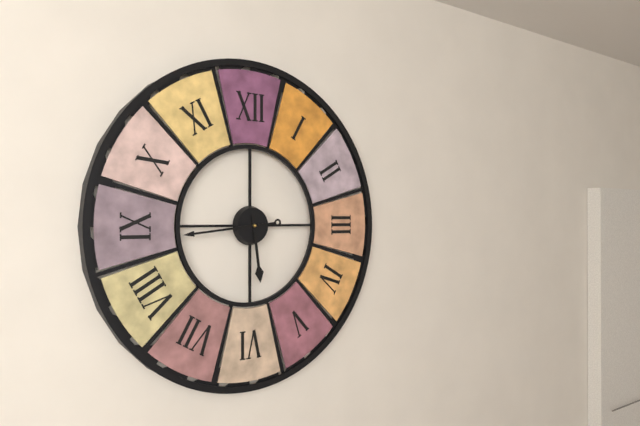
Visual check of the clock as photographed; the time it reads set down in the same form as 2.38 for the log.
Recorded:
5.44
